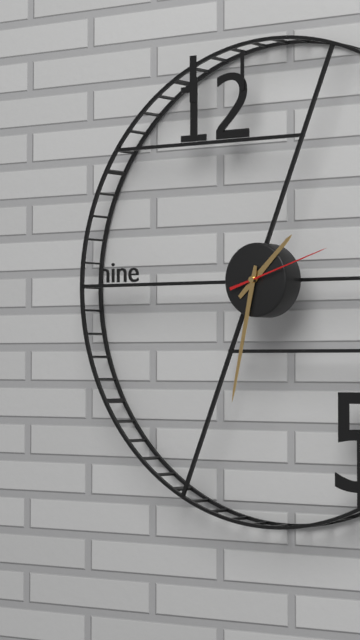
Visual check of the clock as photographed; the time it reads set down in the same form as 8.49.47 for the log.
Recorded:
1.32.12
